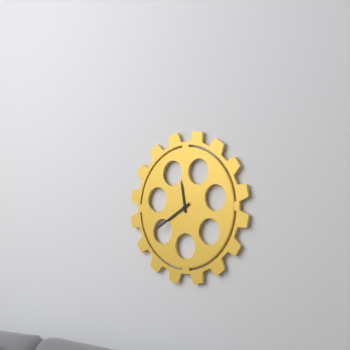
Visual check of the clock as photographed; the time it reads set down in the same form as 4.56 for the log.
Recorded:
11.40
